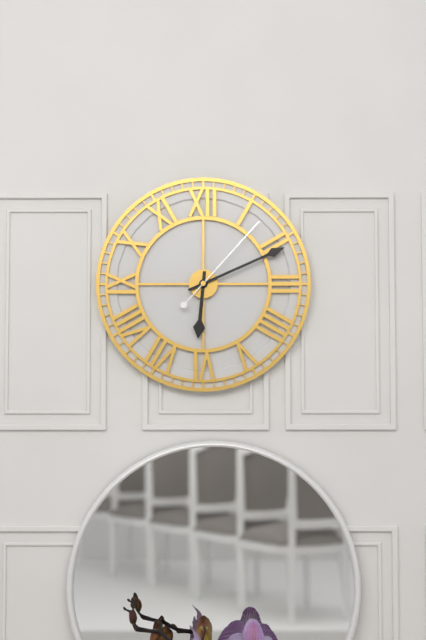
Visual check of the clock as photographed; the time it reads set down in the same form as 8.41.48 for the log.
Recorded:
6.11.07
